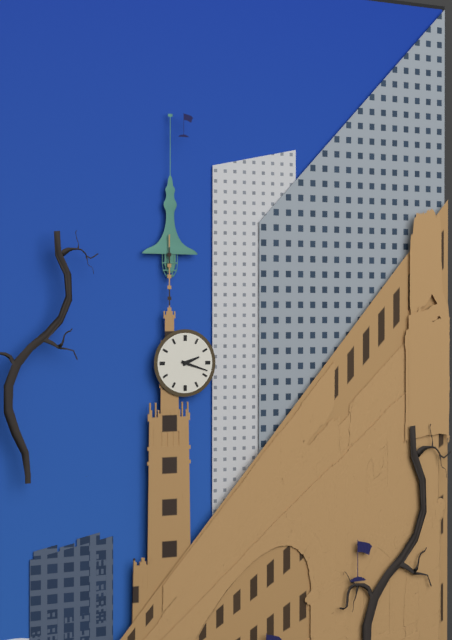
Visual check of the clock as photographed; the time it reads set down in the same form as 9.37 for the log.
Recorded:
2.18
